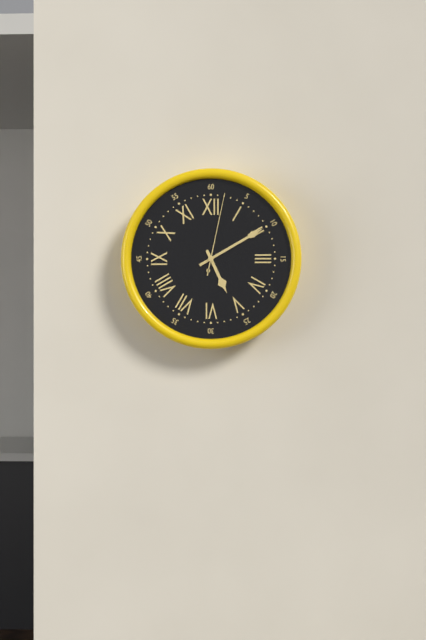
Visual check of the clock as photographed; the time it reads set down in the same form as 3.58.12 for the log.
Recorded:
5.10.02
